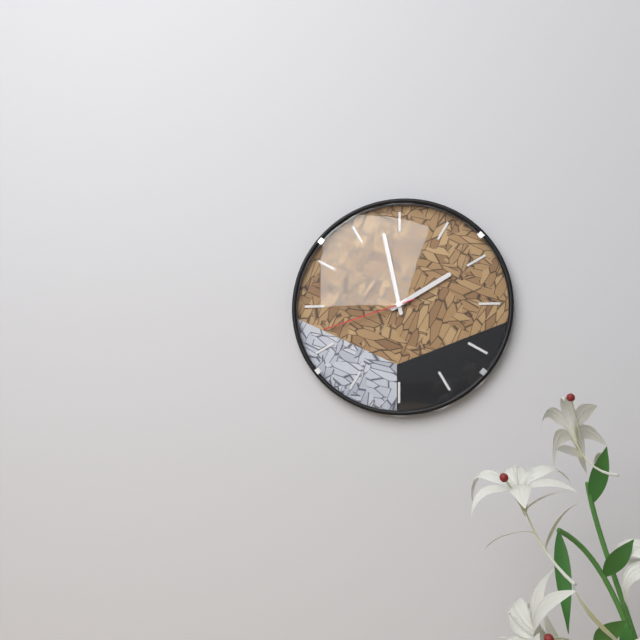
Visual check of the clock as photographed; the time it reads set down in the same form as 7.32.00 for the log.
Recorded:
1.58.42
